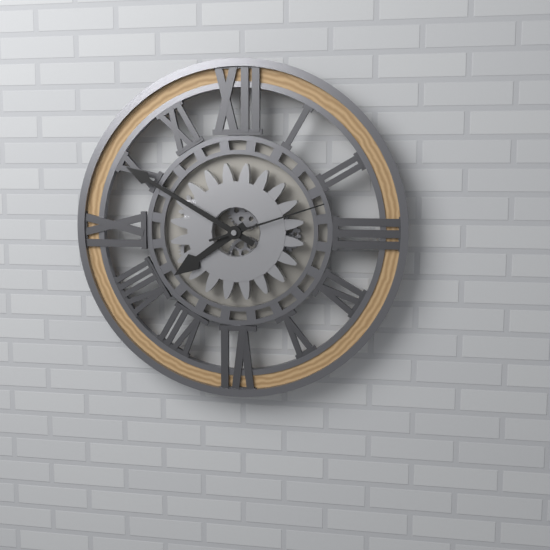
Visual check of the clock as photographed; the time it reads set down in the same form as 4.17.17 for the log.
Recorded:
7.50.12
